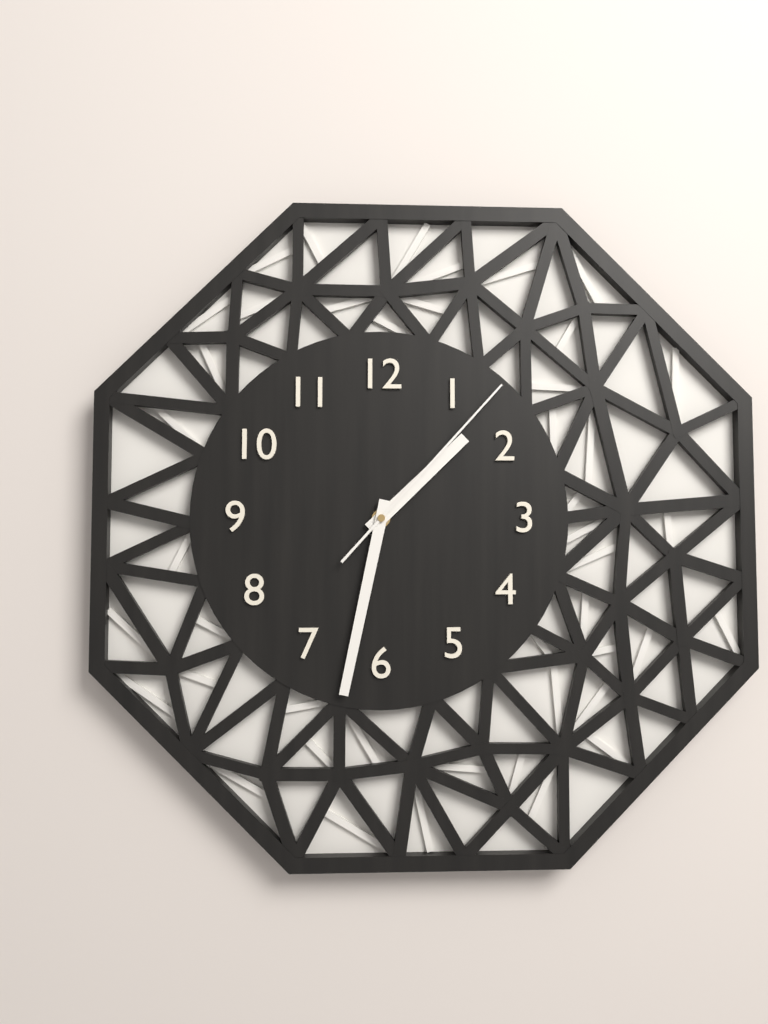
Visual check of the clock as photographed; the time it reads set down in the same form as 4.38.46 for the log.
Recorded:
1.32.07
